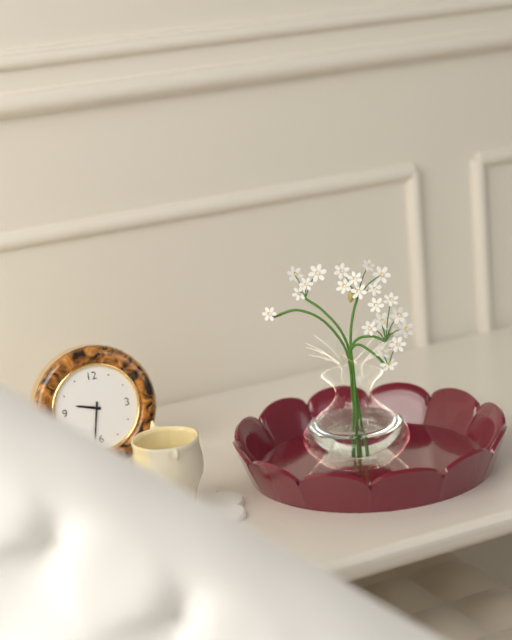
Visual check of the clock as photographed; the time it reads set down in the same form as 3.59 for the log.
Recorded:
9.32
